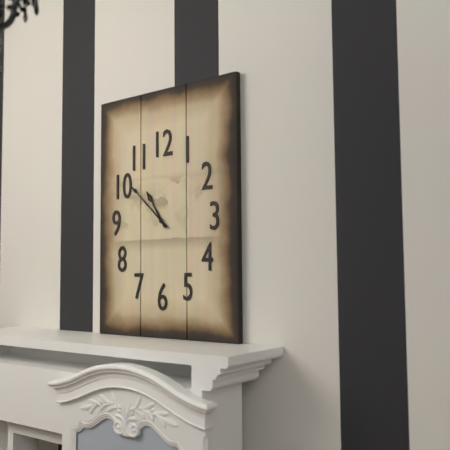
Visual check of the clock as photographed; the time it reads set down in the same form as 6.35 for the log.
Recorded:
10.52
